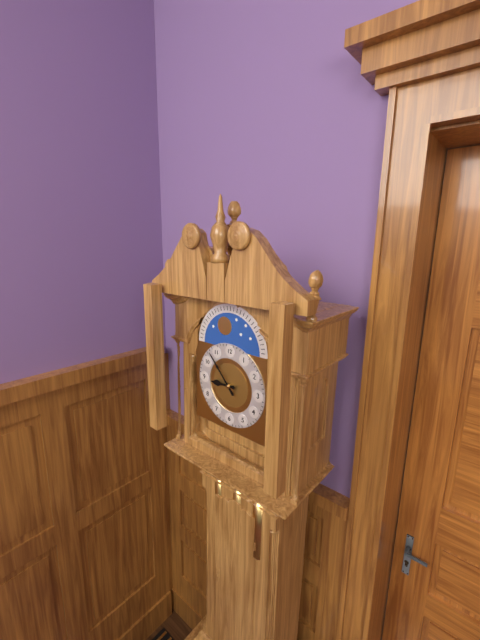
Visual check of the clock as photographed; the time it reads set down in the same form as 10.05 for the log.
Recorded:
8.53
